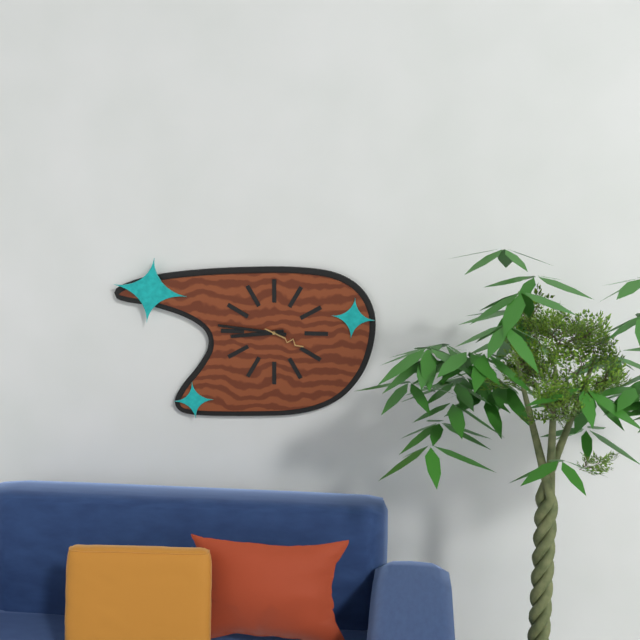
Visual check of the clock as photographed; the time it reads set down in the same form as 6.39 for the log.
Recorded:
8.46
